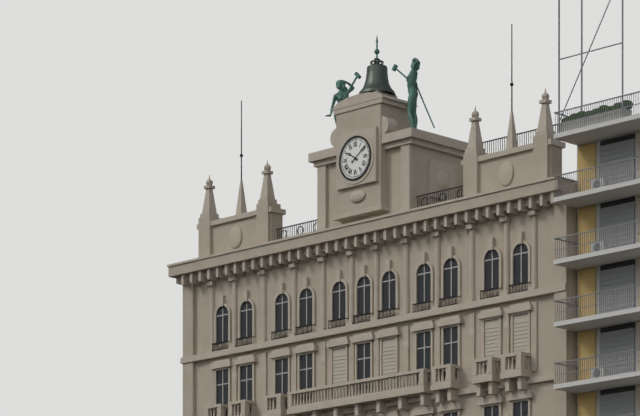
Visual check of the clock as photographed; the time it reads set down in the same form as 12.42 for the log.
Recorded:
10.09
